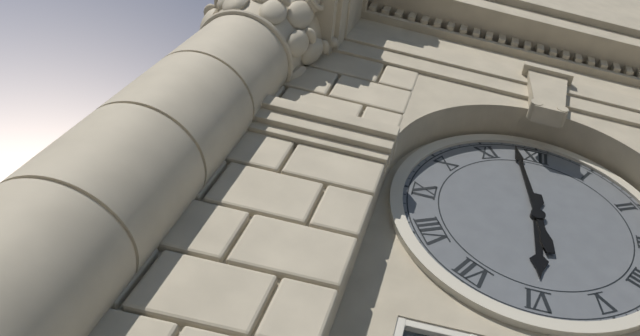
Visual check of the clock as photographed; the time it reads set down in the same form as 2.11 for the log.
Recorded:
5.58
